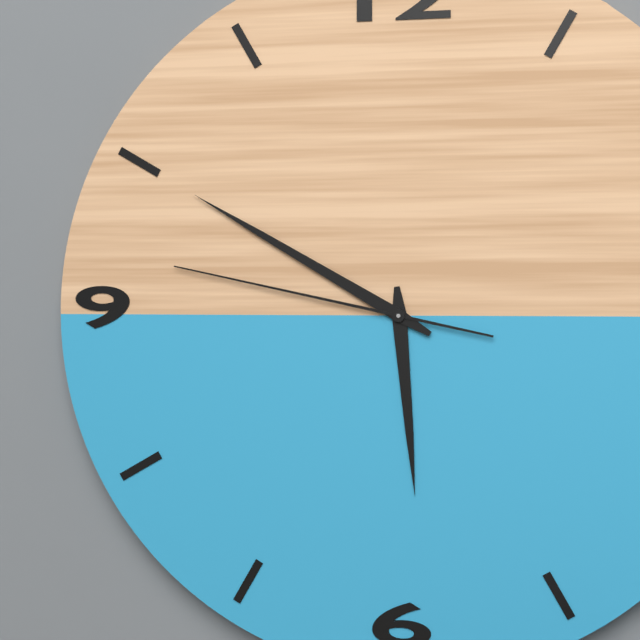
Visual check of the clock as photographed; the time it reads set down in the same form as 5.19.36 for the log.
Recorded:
5.50.47
